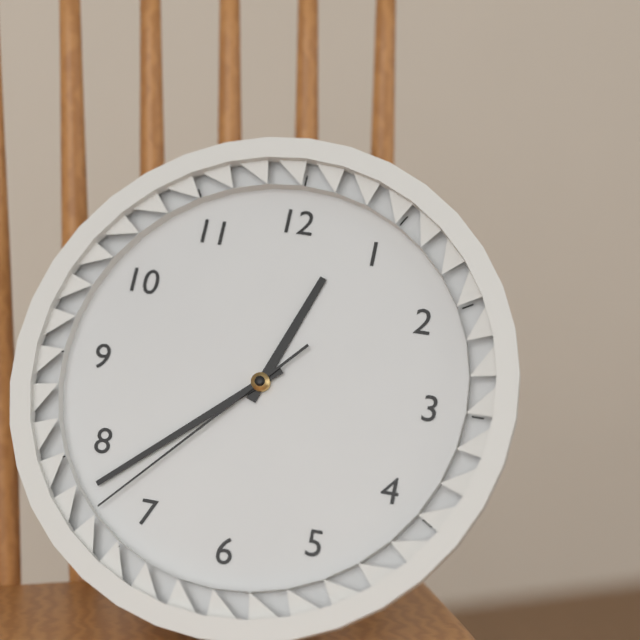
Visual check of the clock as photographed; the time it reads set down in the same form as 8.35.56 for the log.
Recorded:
12.38.37
